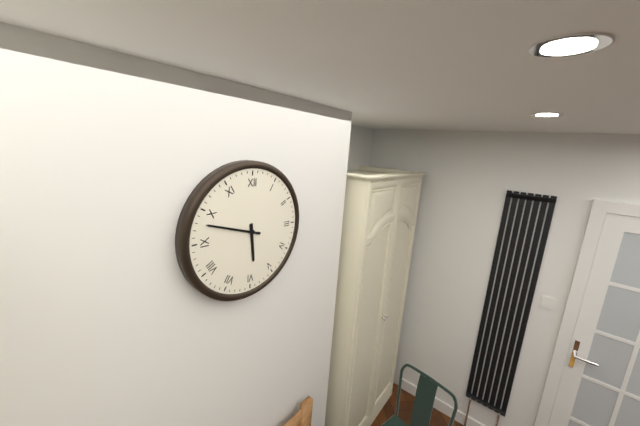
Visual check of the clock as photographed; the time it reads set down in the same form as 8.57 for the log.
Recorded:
5.48
